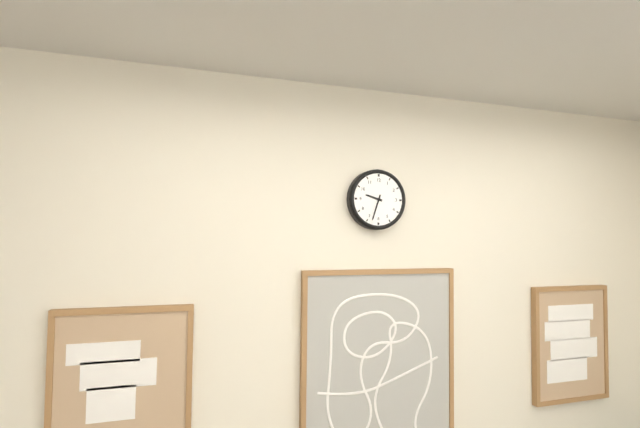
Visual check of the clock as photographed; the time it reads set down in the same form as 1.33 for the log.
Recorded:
9.33
